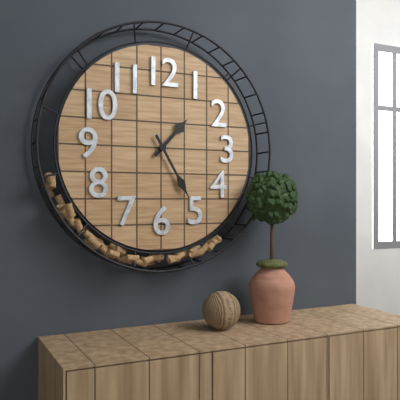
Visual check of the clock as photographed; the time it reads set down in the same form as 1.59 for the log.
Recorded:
1.25
